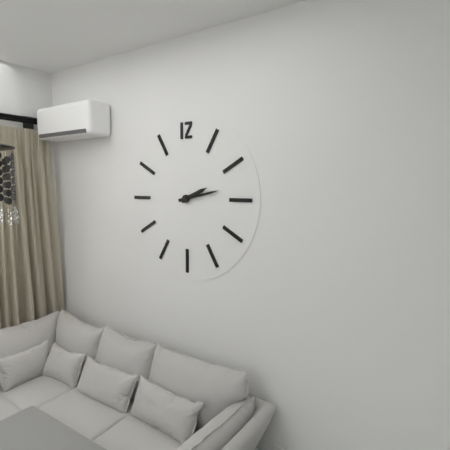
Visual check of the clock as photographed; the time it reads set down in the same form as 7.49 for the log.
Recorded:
2.13
